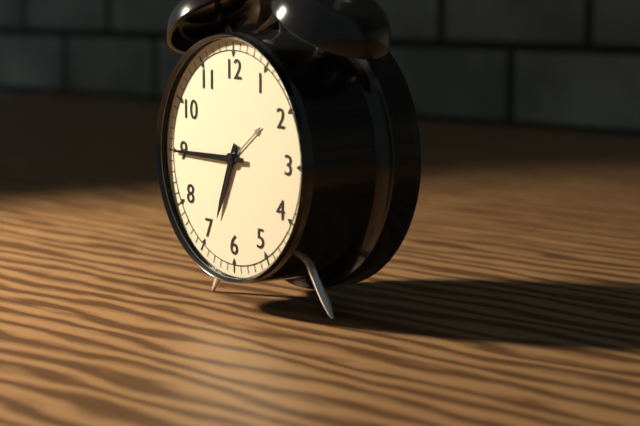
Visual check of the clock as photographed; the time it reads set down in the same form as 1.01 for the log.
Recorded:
6.45
